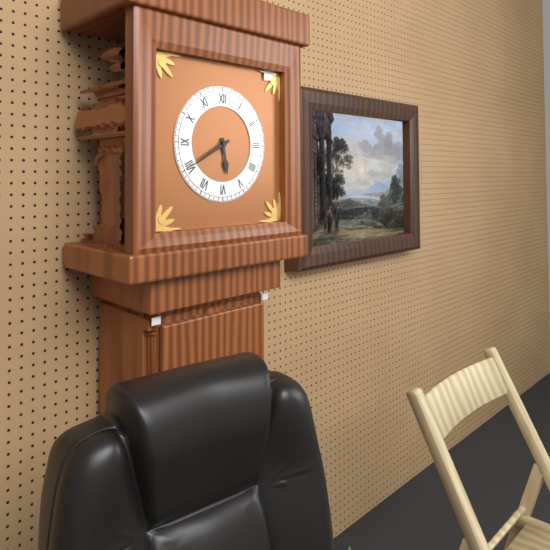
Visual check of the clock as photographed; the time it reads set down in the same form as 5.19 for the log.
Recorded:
5.40
